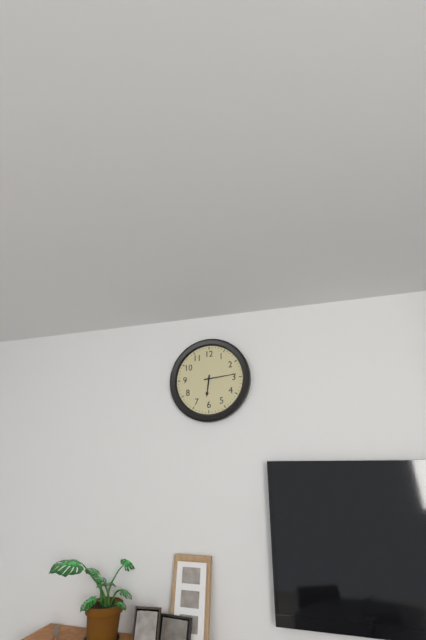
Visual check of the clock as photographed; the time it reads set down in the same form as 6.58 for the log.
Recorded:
6.14
